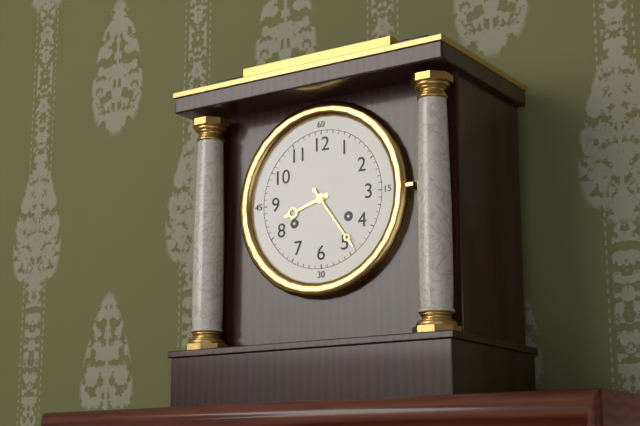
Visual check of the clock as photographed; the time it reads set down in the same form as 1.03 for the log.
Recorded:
8.24
